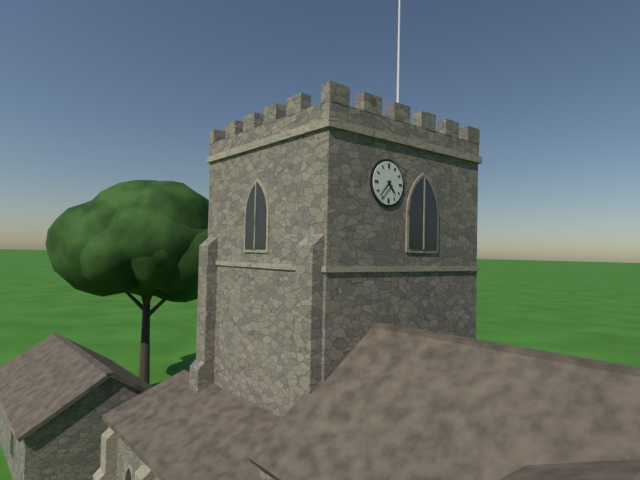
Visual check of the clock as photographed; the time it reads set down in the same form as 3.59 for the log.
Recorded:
4.37
